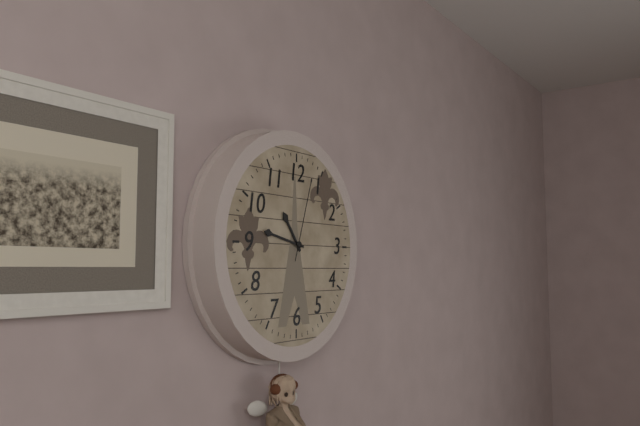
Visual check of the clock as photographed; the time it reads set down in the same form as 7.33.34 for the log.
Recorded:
10.47.03
